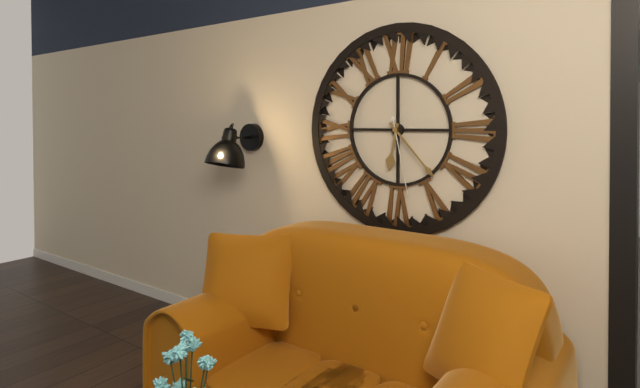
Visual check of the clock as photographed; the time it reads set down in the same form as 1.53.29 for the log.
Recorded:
6.23.28
